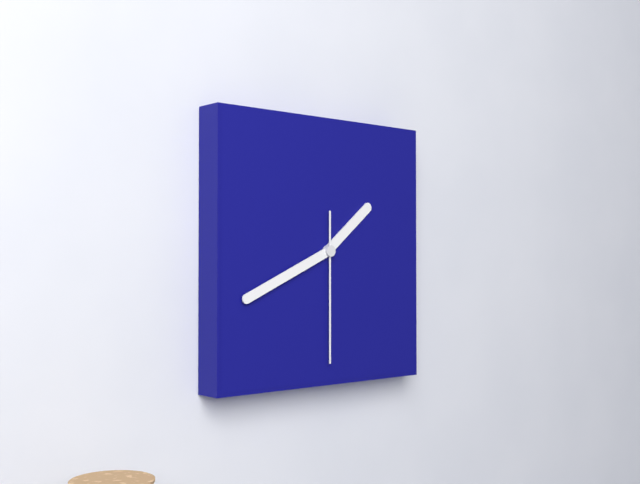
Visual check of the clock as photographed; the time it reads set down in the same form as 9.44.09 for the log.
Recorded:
1.41.30
